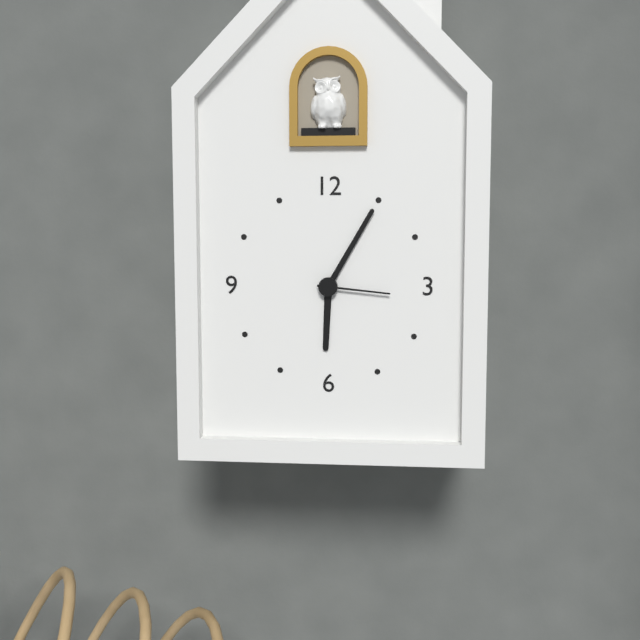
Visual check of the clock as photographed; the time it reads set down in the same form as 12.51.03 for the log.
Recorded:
6.05.16
